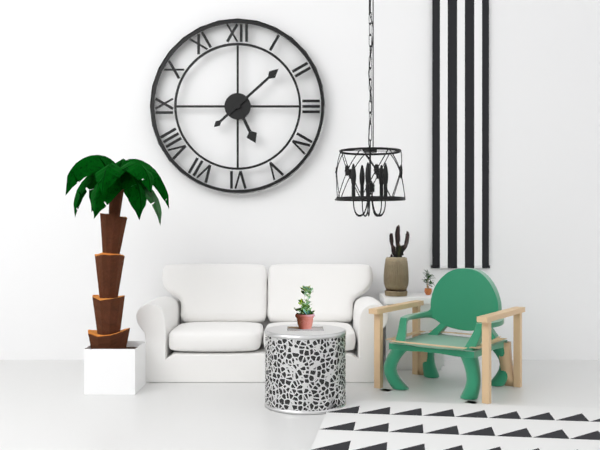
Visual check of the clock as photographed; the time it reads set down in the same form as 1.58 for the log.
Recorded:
5.08
